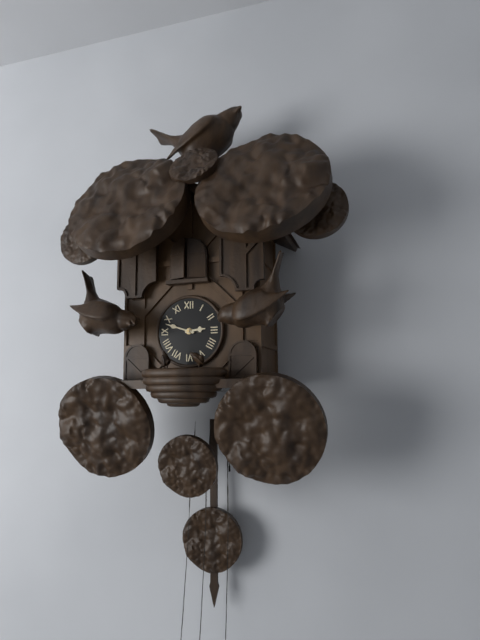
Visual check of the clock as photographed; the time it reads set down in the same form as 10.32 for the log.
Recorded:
2.48
